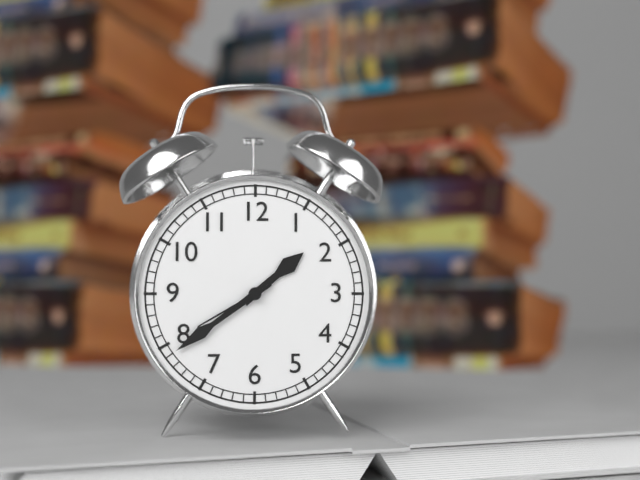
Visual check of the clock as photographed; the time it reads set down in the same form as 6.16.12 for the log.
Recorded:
1.39.40
